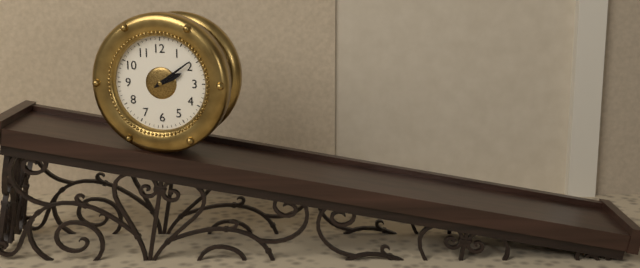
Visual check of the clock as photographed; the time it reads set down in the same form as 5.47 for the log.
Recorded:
2.09
